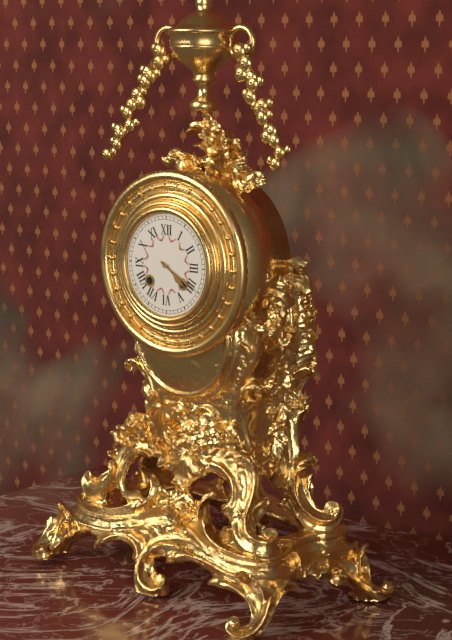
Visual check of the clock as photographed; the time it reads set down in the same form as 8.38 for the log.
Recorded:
4.20
